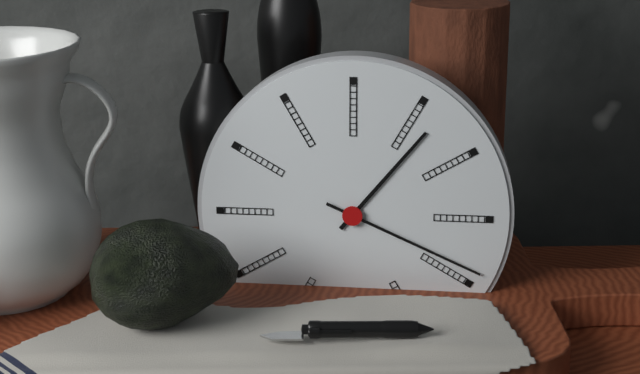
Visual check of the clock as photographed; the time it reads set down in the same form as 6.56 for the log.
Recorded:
1.19
